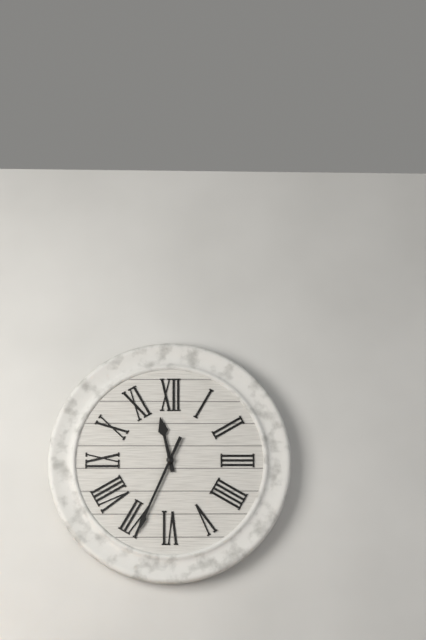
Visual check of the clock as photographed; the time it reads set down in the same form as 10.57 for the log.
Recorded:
11.34
